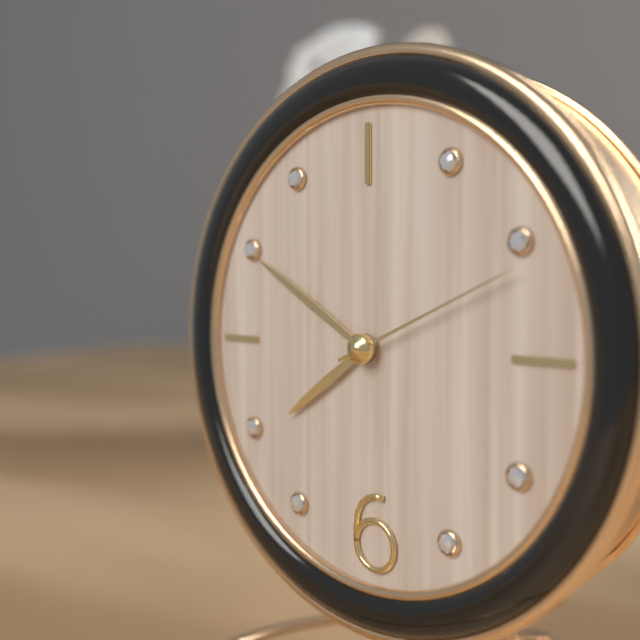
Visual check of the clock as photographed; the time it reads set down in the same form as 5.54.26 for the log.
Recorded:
7.50.11
